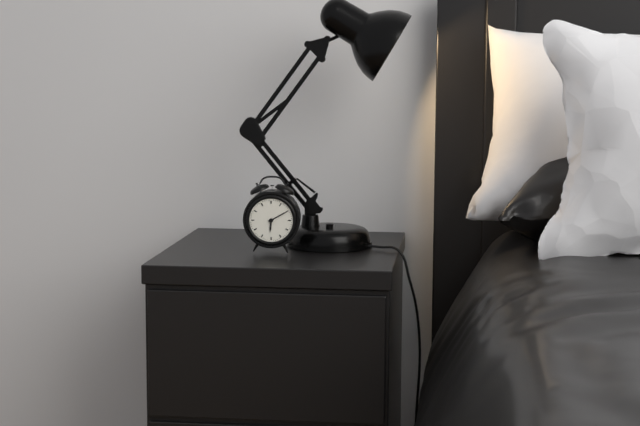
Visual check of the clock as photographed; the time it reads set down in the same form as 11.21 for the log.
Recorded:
6.10
